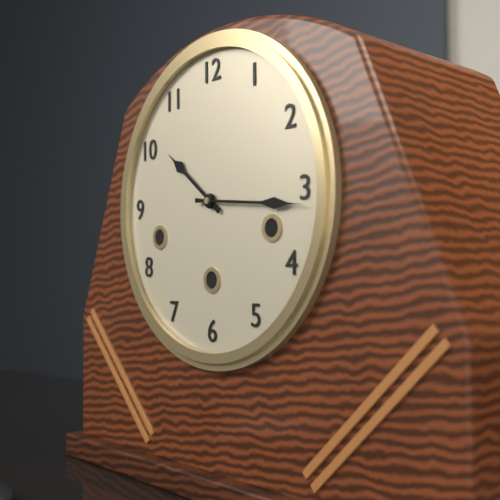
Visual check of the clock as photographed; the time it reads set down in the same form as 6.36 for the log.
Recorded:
10.16
